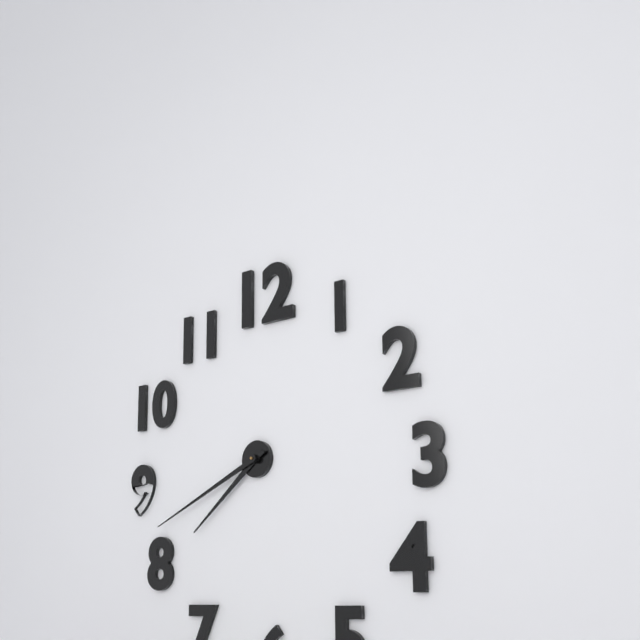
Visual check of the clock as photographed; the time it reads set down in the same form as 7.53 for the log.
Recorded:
7.41
